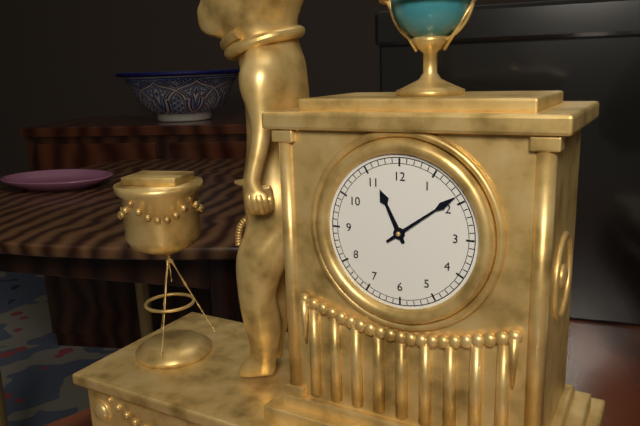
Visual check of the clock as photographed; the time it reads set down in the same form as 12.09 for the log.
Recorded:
11.09
